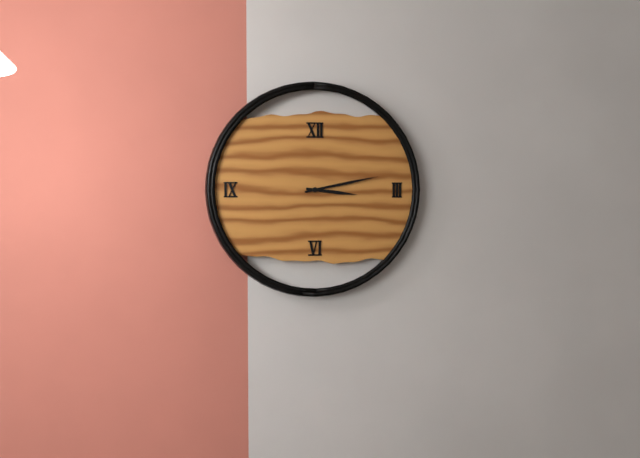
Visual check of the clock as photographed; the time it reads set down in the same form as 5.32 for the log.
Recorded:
3.13
